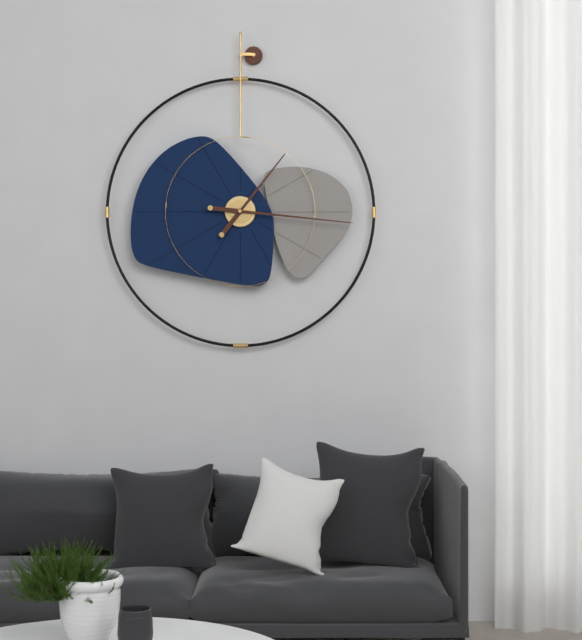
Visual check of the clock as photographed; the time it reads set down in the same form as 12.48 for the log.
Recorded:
1.16
